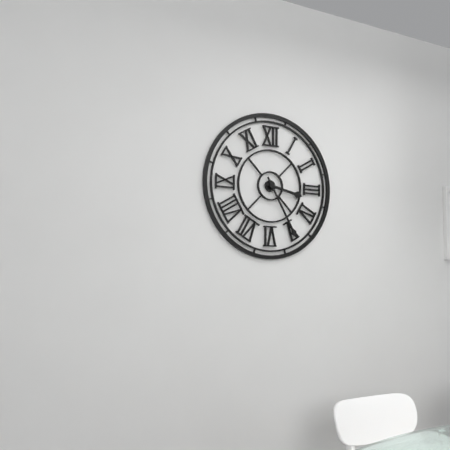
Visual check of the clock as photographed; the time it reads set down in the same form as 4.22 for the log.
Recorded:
3.25
